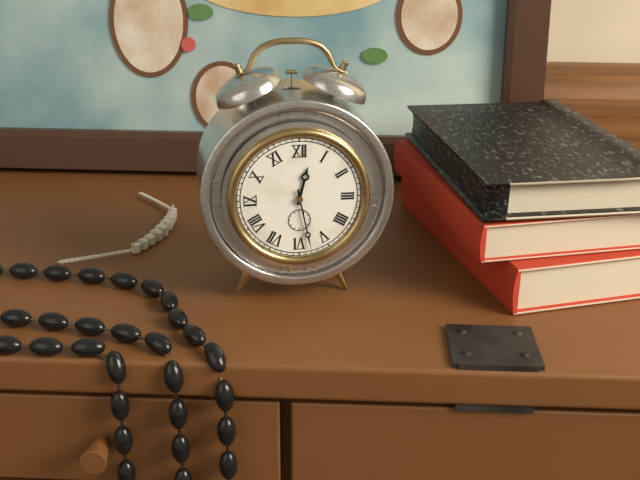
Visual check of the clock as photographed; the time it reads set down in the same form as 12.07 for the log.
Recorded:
12.28
